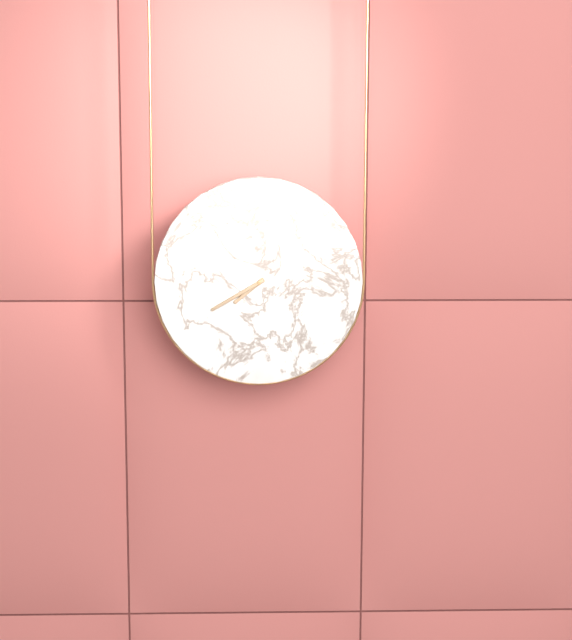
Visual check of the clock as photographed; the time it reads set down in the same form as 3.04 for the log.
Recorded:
7.40
